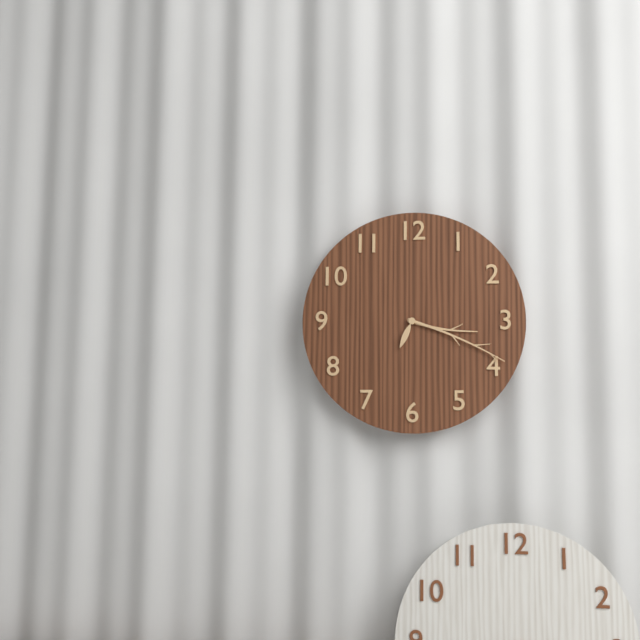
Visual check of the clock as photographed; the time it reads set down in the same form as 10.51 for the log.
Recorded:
3.19
